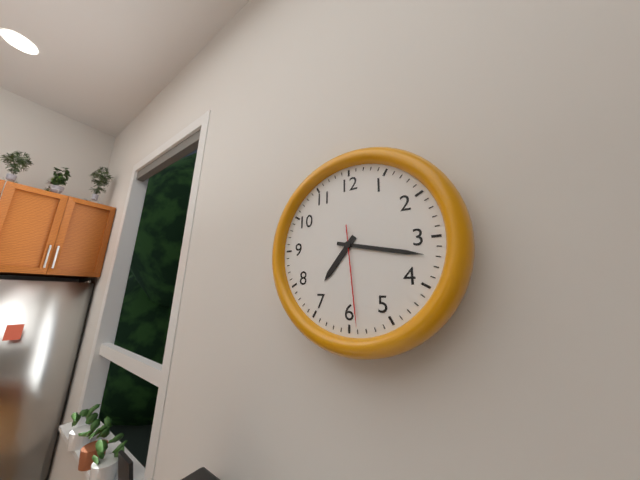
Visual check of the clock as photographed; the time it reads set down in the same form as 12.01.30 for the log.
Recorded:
7.17.29
